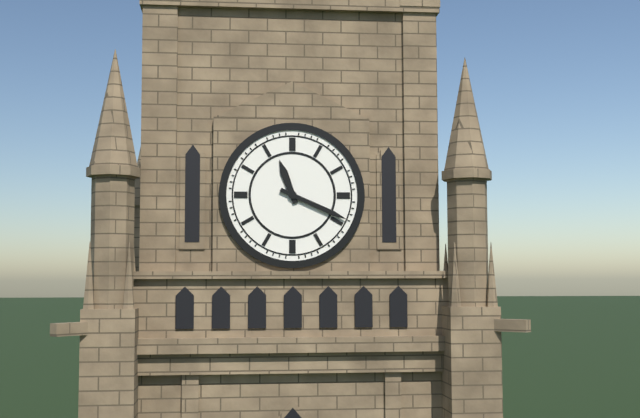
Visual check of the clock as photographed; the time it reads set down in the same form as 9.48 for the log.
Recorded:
11.19
